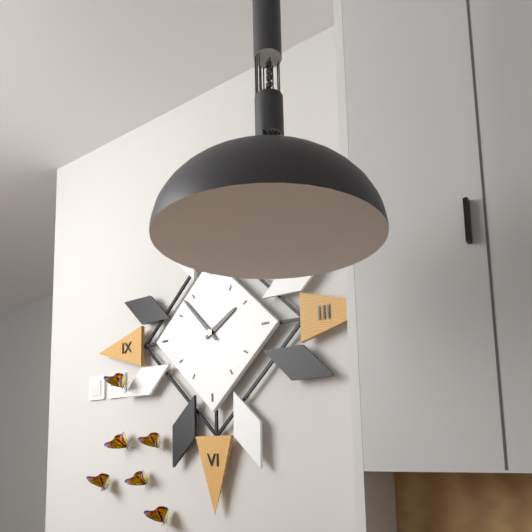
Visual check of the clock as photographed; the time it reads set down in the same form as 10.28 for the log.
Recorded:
1.53
